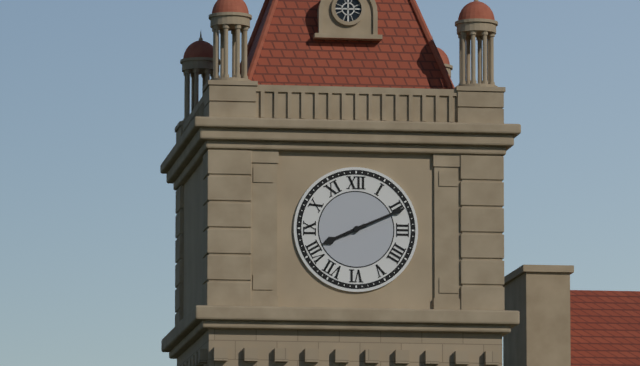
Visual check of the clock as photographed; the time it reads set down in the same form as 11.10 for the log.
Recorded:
8.11
